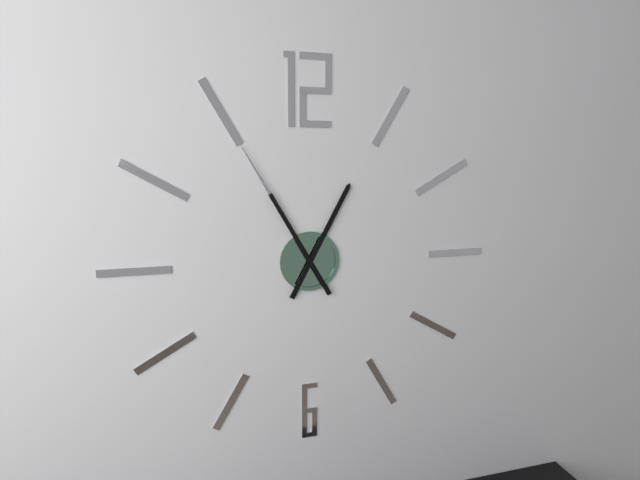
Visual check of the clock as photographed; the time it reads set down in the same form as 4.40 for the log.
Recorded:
12.55
